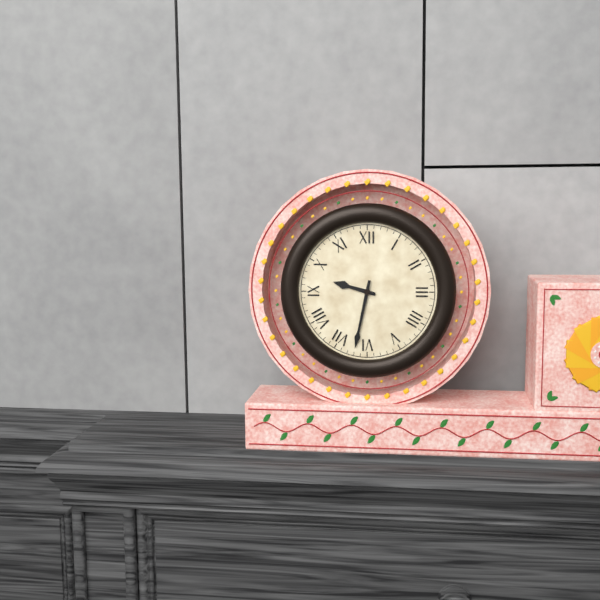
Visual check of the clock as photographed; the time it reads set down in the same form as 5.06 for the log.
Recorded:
9.32
